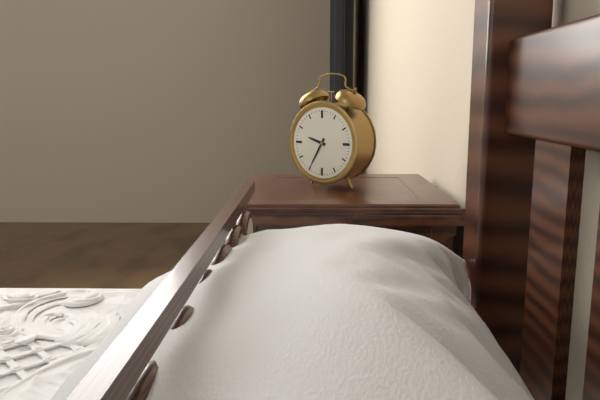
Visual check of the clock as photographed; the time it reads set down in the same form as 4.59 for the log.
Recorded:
9.35
